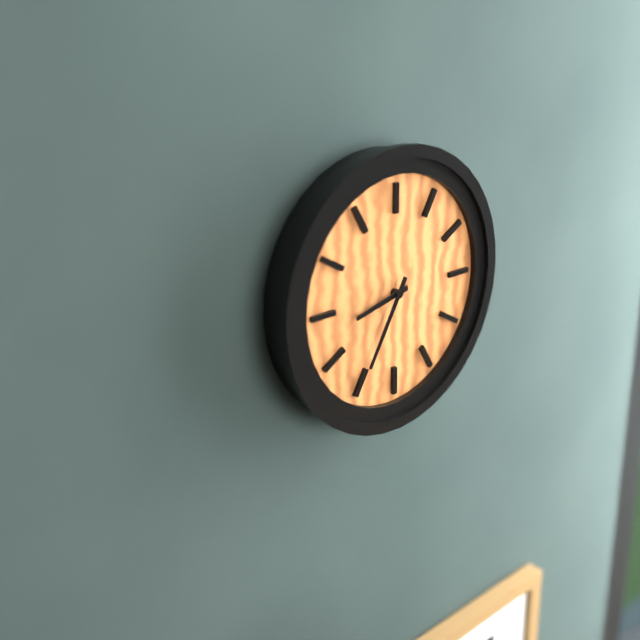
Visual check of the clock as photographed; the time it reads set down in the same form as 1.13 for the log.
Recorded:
8.35
